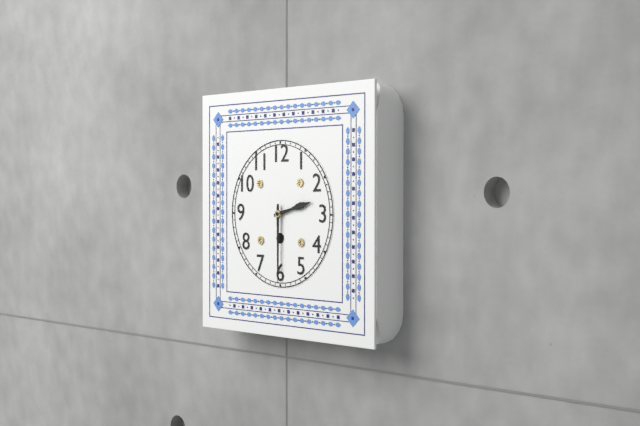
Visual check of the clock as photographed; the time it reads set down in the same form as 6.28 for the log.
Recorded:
2.30
